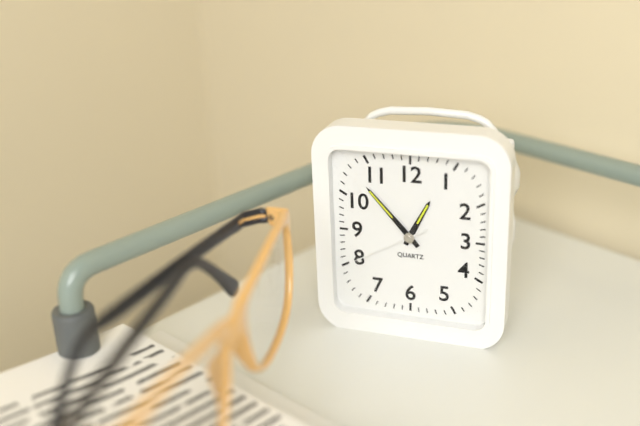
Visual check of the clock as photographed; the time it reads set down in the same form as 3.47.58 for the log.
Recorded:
12.53.40
